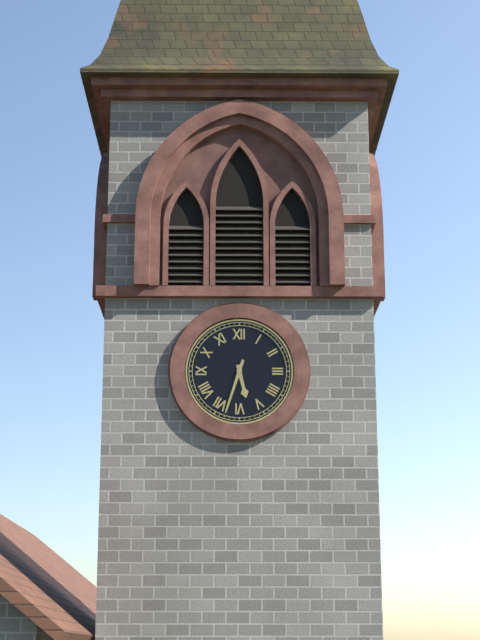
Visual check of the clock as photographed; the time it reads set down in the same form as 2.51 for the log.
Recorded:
5.33
